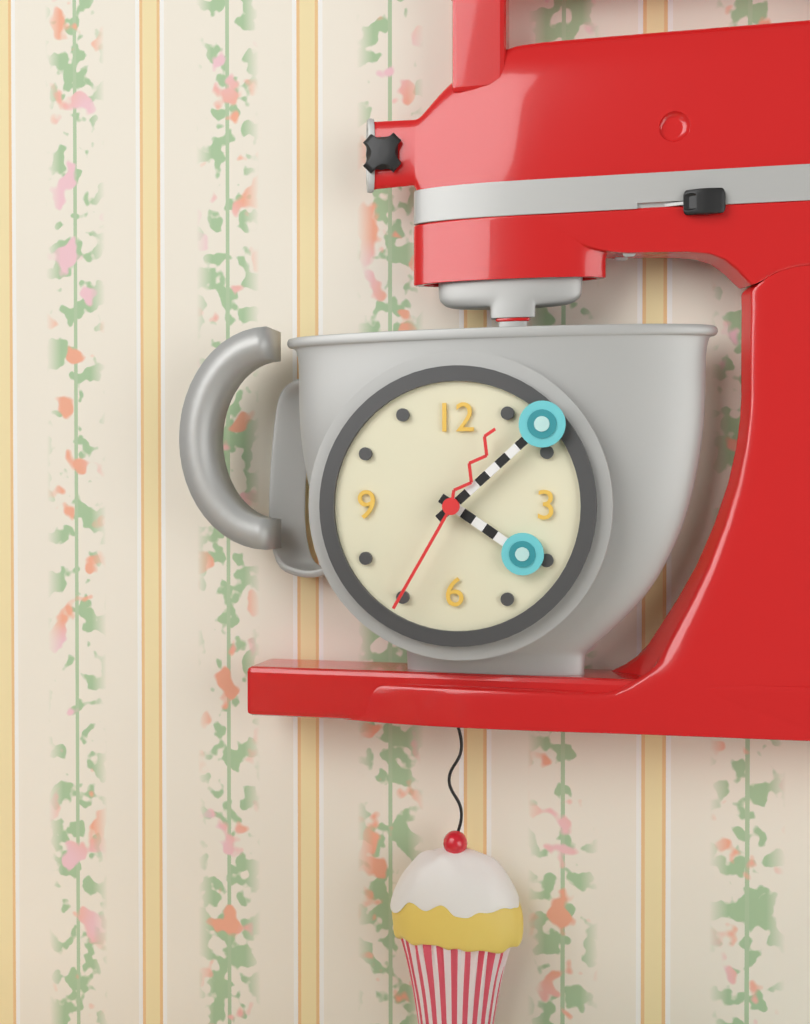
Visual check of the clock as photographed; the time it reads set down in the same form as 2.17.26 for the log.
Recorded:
4.08.35
